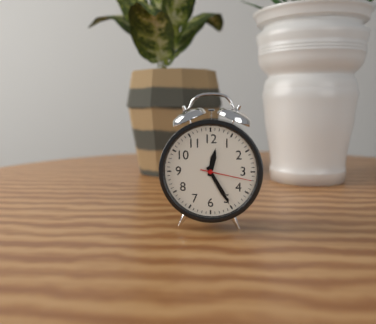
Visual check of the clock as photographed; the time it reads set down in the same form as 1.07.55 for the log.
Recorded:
12.25.17
